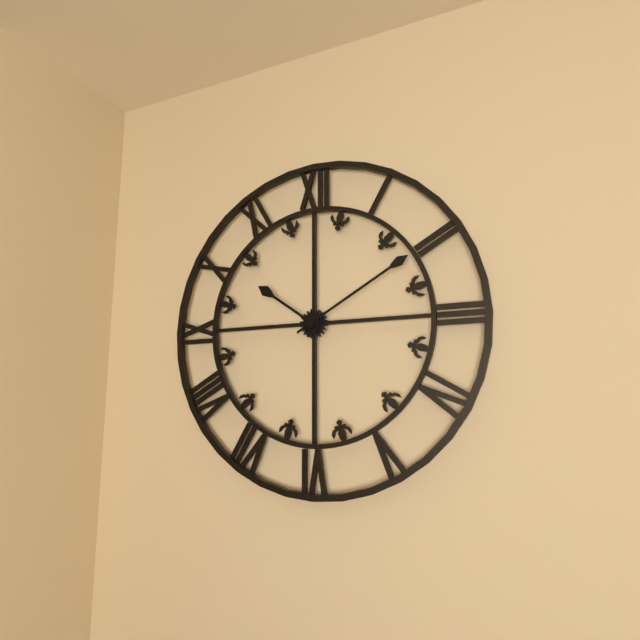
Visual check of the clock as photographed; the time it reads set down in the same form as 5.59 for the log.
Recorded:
10.10
